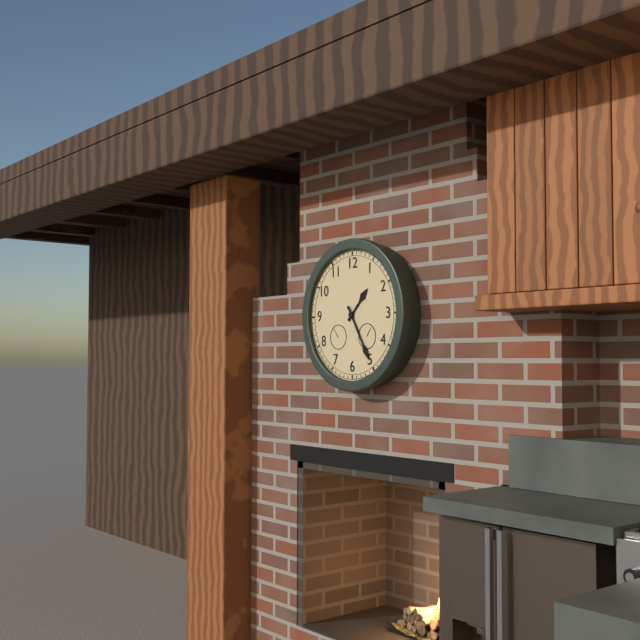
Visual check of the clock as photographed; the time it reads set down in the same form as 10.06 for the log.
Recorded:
1.25
